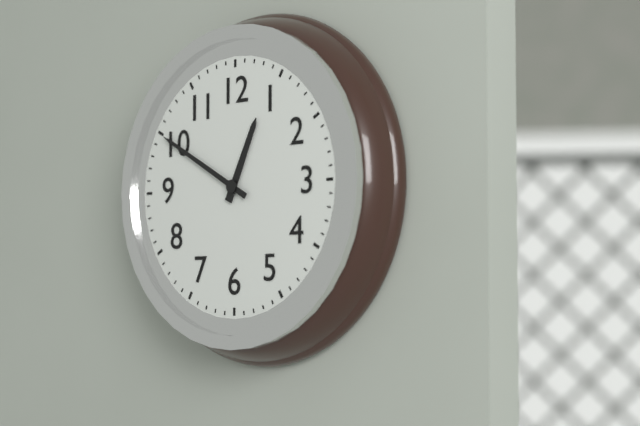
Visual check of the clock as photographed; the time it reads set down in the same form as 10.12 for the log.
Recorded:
12.50
